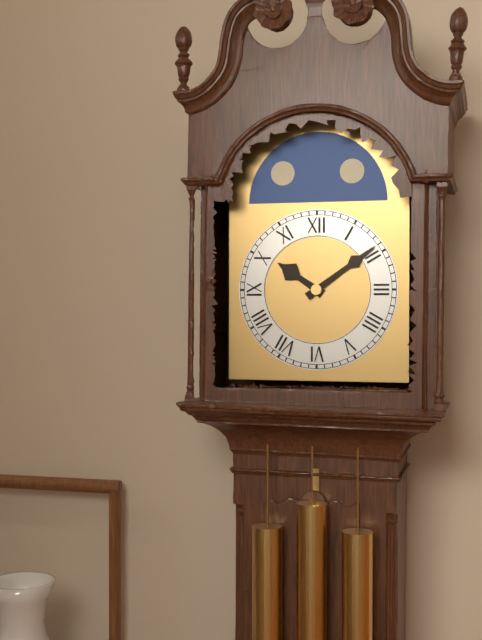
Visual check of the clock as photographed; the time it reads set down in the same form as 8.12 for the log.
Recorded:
10.09
